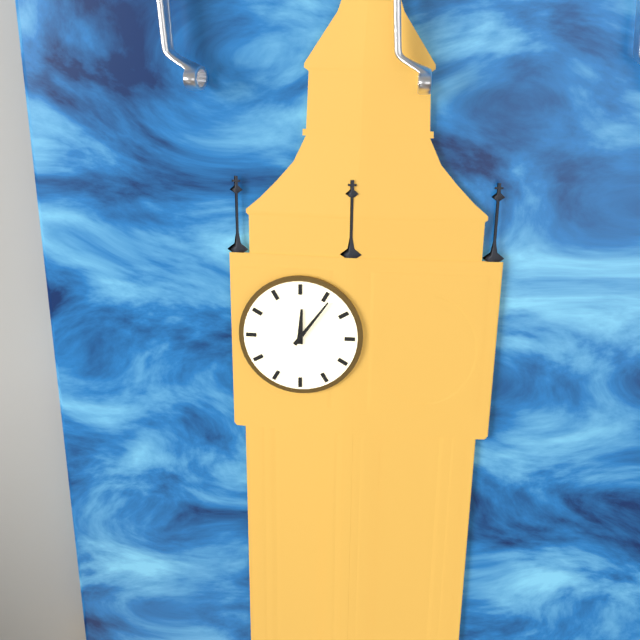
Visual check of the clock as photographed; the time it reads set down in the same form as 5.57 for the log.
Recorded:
12.06
